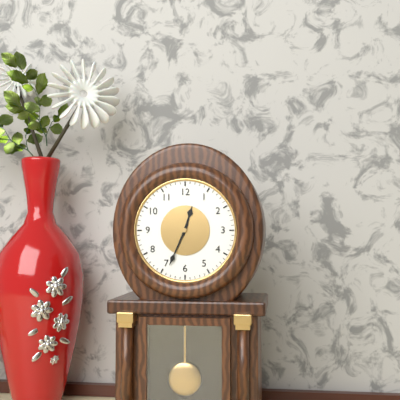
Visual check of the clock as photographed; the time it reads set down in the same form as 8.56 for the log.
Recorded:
12.34
